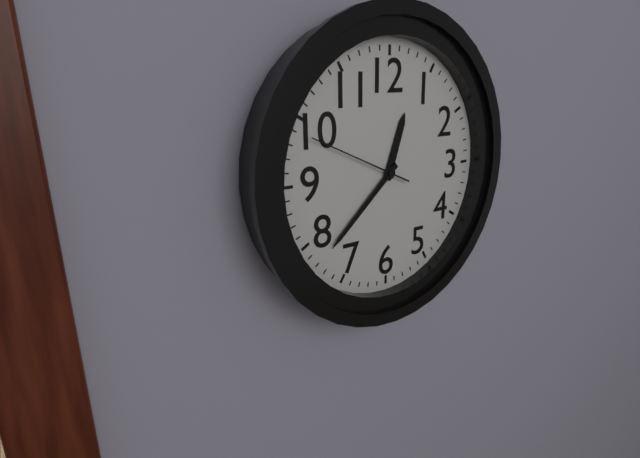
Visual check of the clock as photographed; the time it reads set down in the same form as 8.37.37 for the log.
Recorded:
12.38.49
